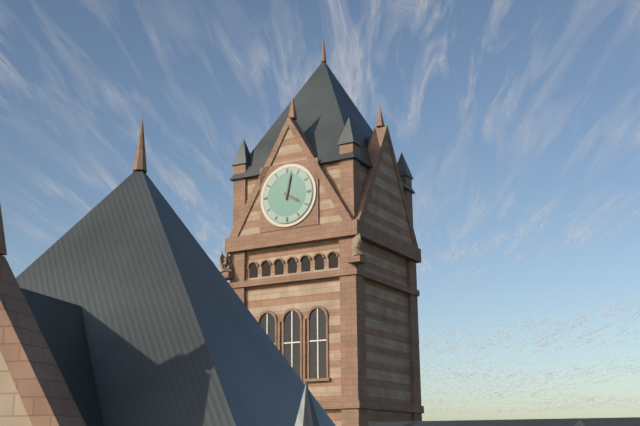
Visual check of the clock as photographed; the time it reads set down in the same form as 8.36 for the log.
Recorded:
4.02
